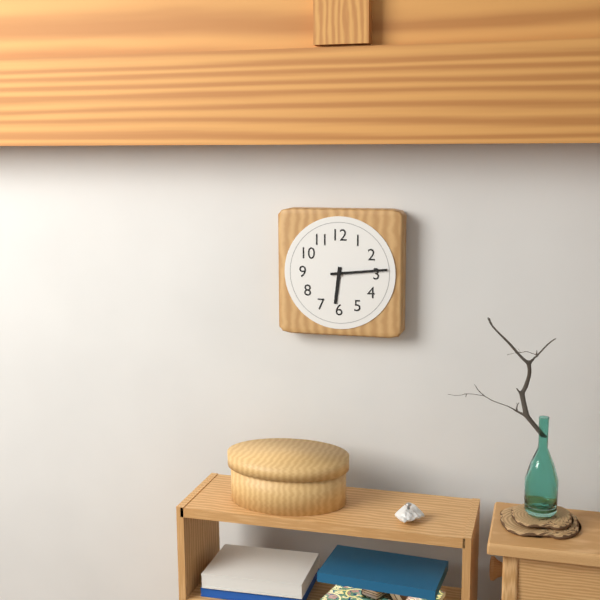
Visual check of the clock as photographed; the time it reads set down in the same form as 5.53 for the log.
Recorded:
6.14
